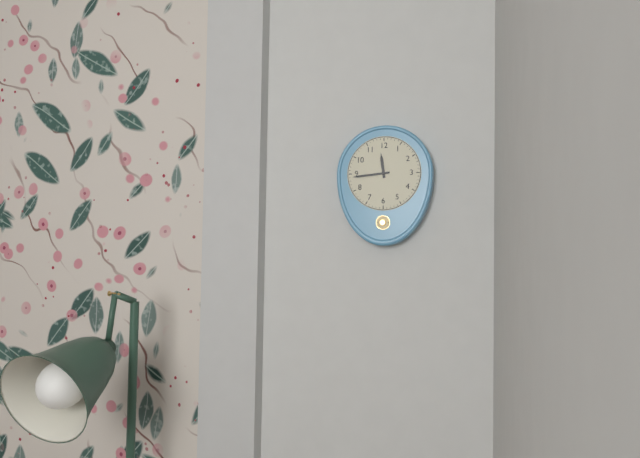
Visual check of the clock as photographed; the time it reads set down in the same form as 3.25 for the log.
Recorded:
11.44
